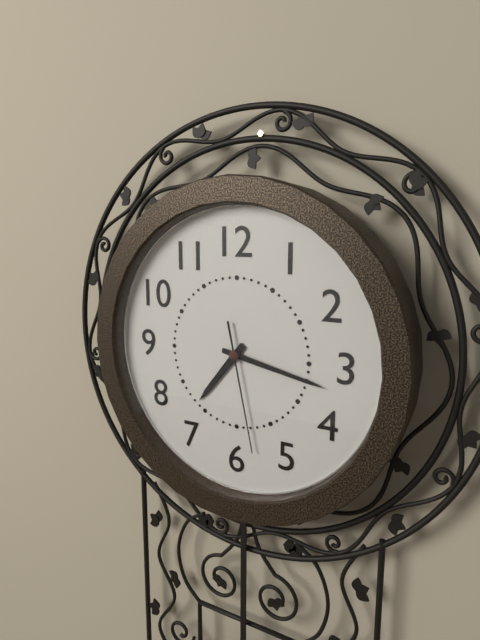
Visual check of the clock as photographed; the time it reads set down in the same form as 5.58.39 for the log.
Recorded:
7.17.28
